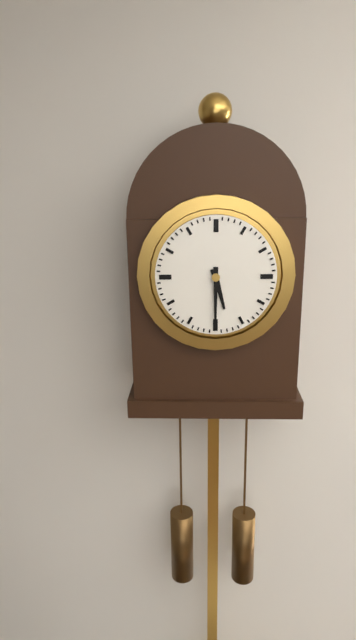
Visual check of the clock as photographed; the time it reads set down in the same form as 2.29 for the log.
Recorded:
5.30
